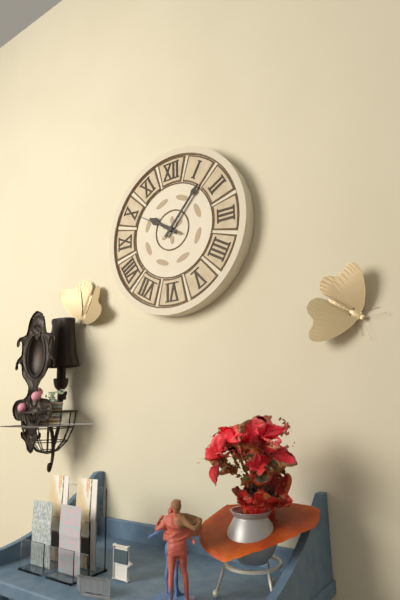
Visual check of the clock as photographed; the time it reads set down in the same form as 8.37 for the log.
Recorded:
10.07
